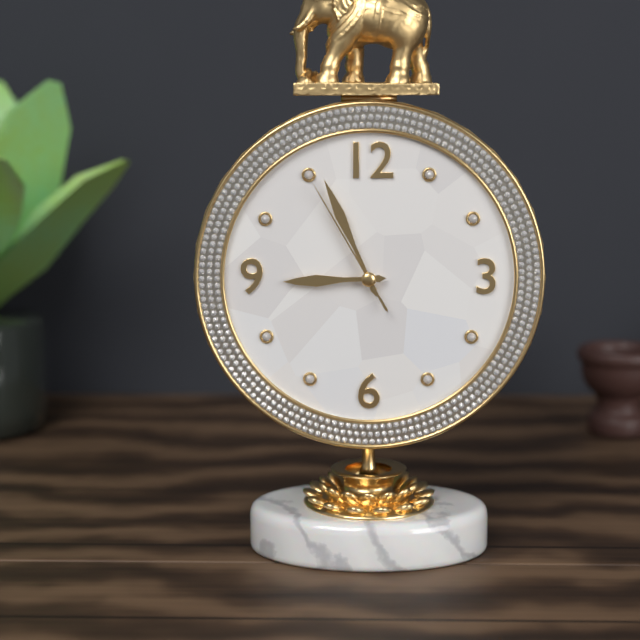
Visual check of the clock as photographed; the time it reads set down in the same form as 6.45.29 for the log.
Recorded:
8.56.55
